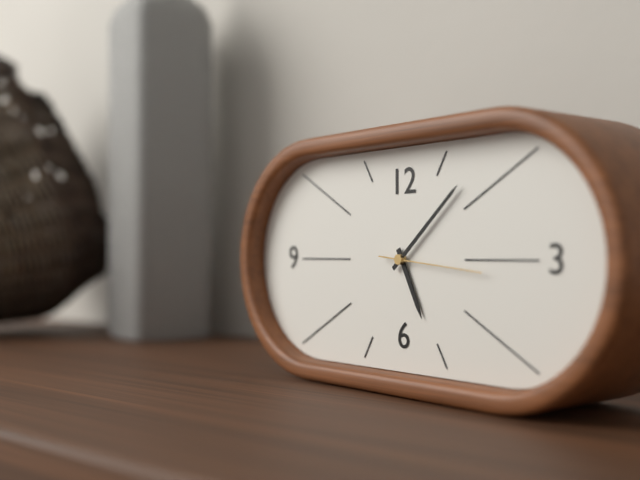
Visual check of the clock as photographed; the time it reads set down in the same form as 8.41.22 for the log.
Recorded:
5.08.16
